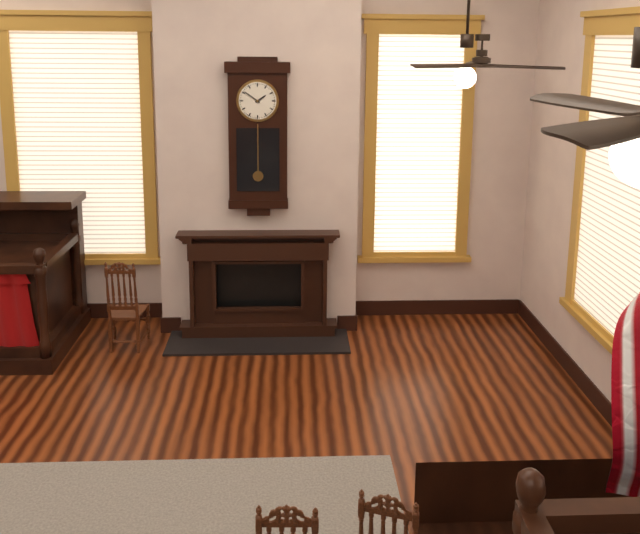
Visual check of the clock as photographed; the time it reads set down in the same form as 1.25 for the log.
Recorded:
1.51
